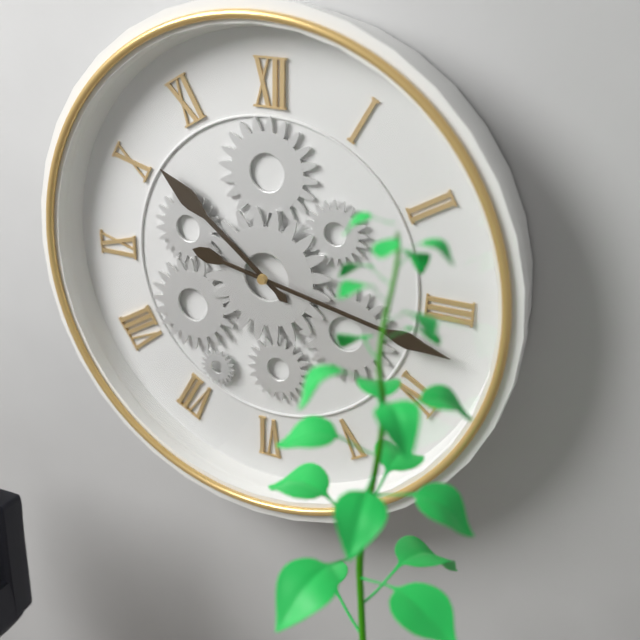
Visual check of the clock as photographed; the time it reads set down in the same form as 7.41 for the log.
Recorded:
10.17
